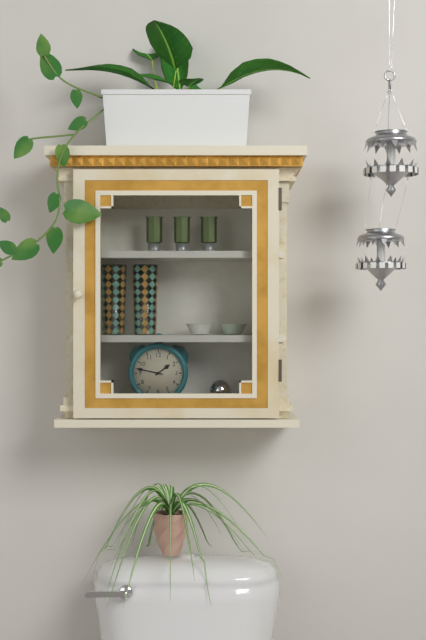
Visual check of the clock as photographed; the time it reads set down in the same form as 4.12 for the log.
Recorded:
1.47
